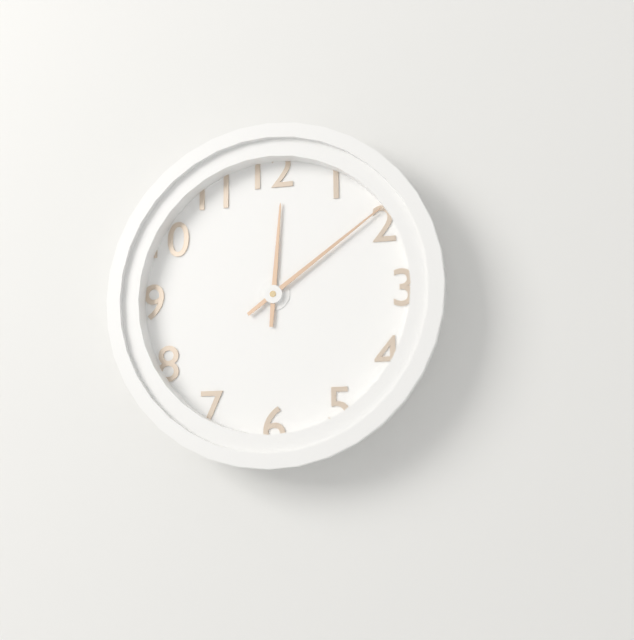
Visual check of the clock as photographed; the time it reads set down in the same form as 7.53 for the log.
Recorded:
12.09
